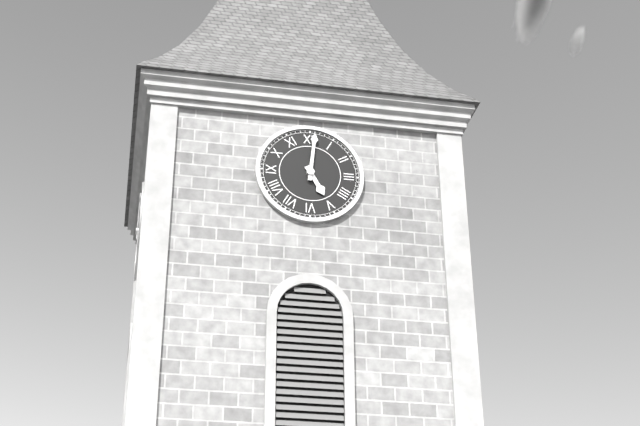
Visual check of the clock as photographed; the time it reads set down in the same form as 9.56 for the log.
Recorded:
5.01
